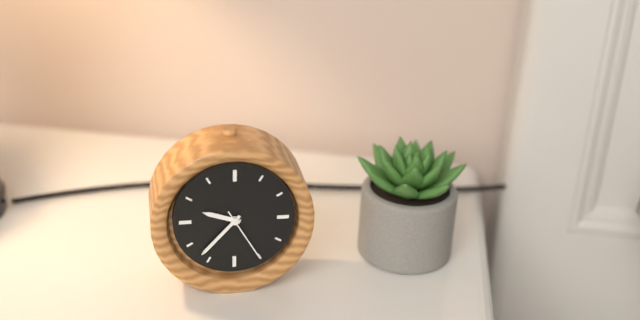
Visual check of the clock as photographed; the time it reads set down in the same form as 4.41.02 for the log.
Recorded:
9.37.25
